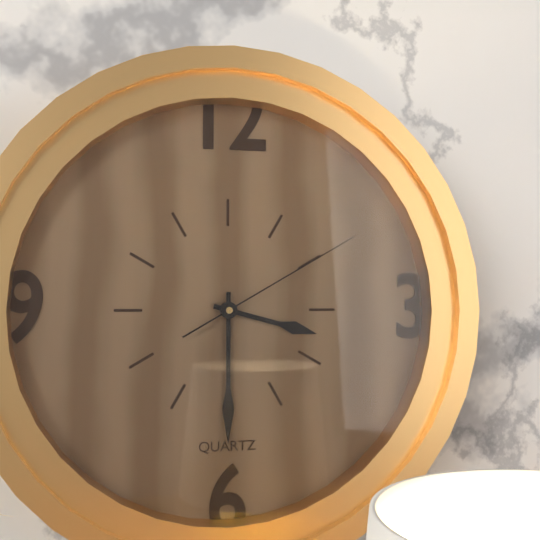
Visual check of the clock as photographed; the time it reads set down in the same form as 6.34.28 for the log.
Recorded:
3.30.10
